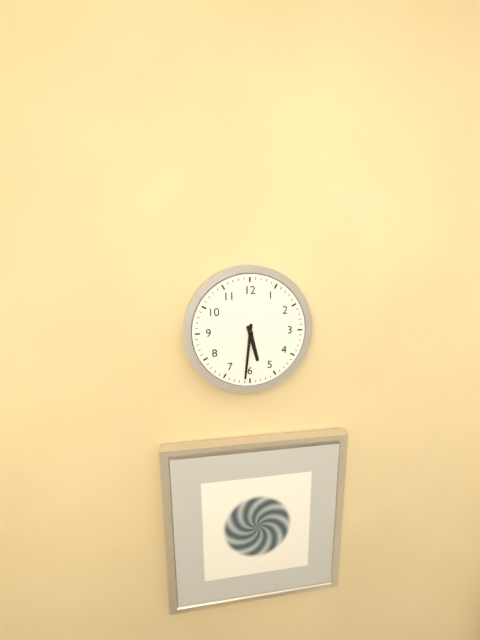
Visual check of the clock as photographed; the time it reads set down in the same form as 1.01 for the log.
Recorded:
5.31
